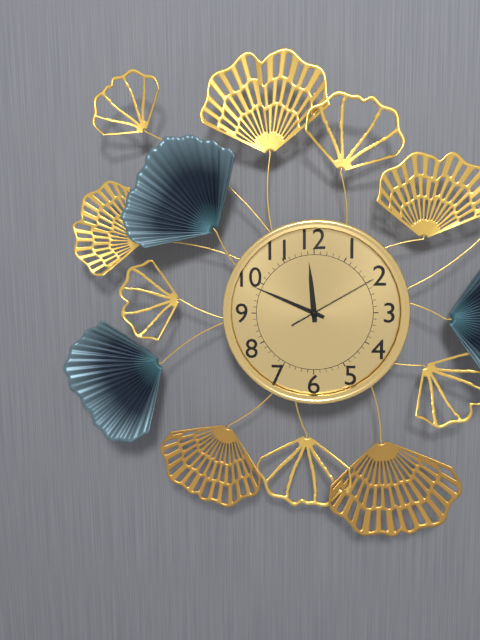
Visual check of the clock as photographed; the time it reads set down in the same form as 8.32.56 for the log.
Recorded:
11.49.10
